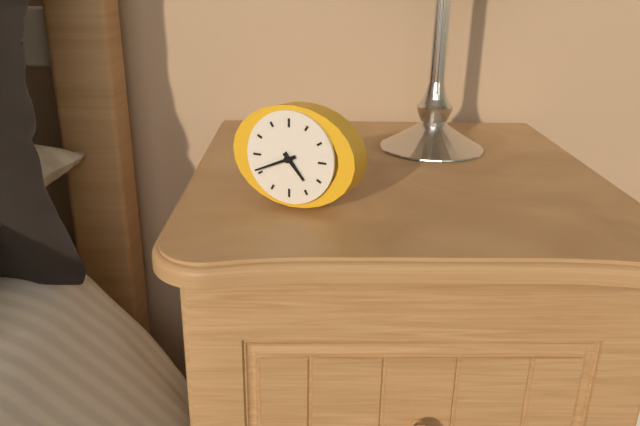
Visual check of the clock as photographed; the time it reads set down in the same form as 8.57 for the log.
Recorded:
4.41
